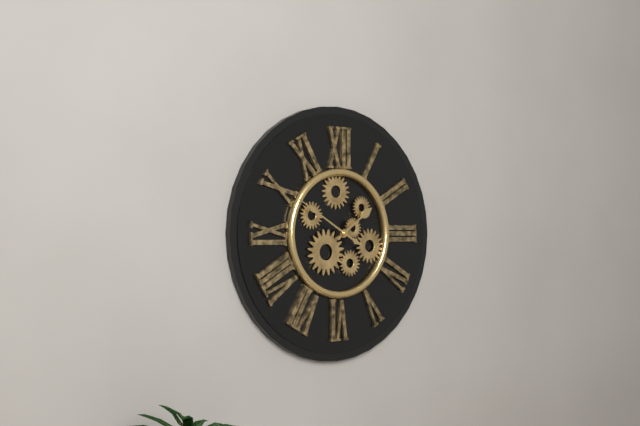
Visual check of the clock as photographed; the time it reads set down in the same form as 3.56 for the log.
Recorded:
1.50
